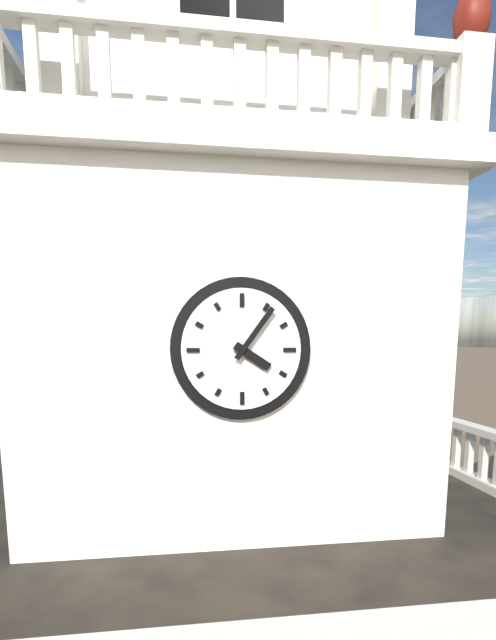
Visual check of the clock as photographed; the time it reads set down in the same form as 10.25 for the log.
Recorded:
4.06
